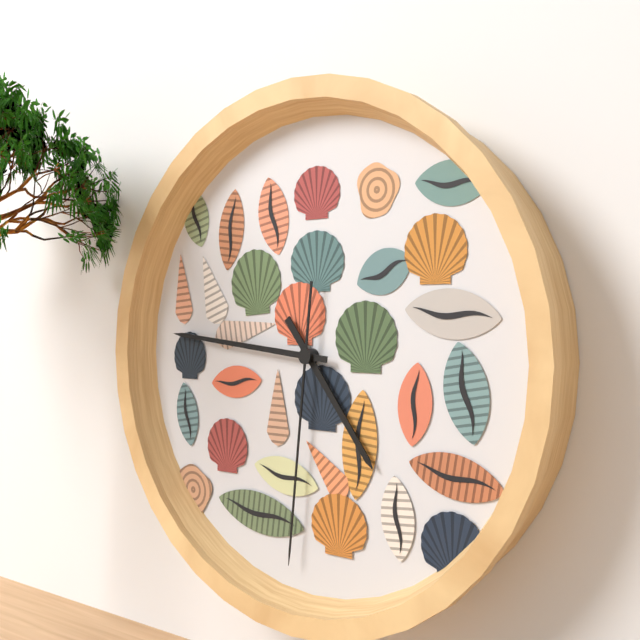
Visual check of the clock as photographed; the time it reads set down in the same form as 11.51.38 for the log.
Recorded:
4.46.31
